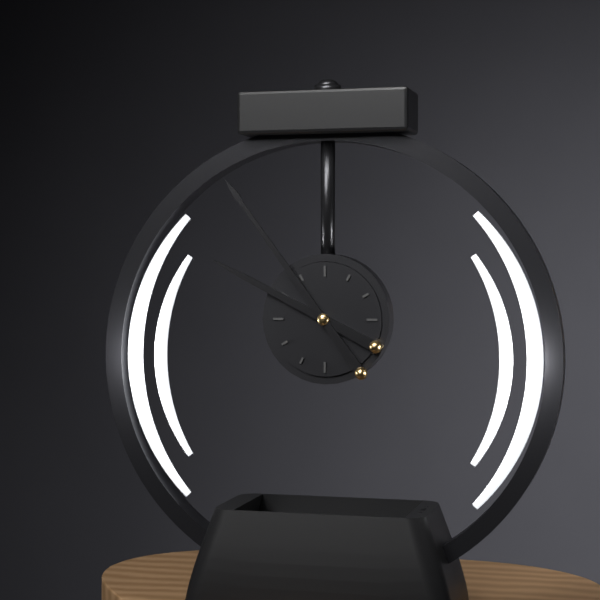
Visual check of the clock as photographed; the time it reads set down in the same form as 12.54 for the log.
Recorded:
9.54
